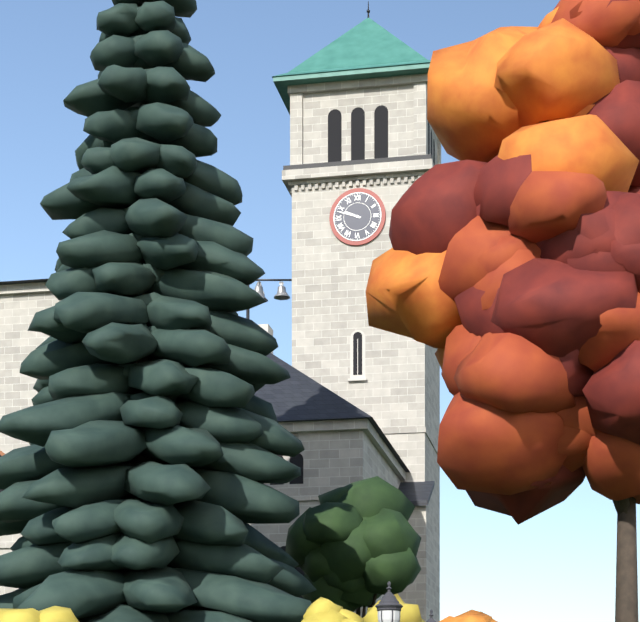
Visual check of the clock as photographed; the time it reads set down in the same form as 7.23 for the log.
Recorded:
9.48
